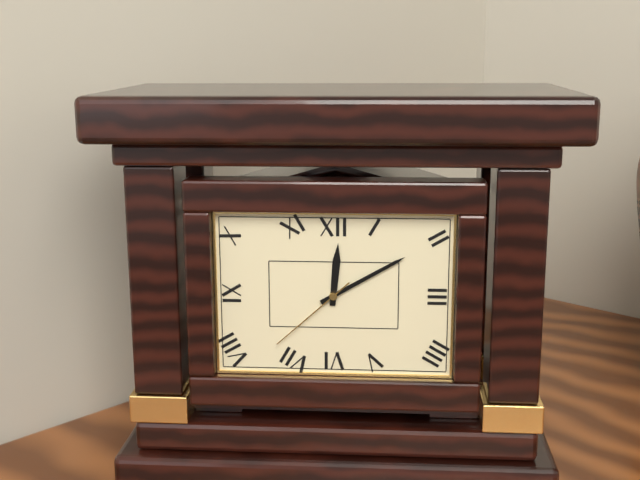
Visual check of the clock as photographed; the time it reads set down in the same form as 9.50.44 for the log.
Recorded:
12.10.38
